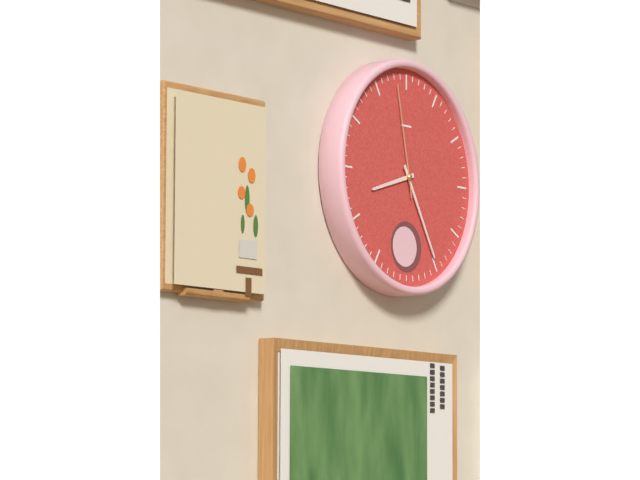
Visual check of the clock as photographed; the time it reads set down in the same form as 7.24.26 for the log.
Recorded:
8.25.58
